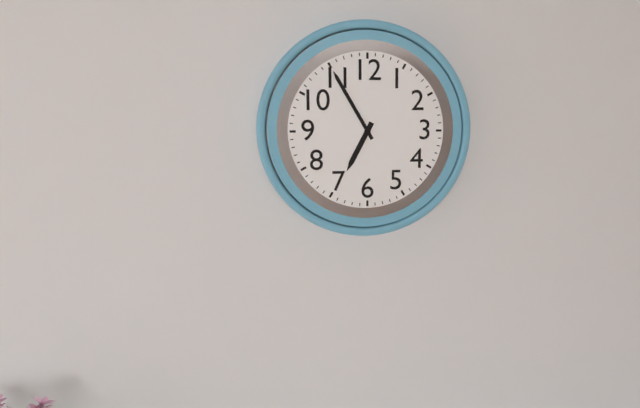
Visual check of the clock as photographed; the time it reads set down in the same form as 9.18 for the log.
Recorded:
6.55
